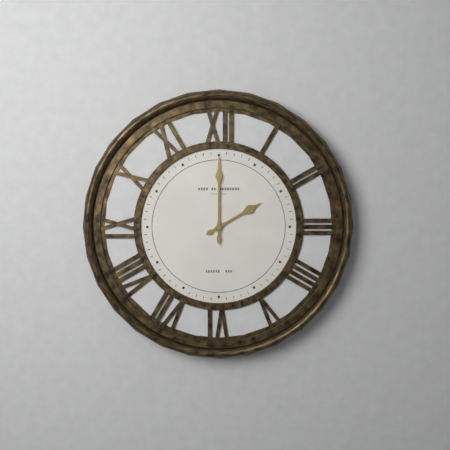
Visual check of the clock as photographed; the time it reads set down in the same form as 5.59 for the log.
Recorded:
2.00
